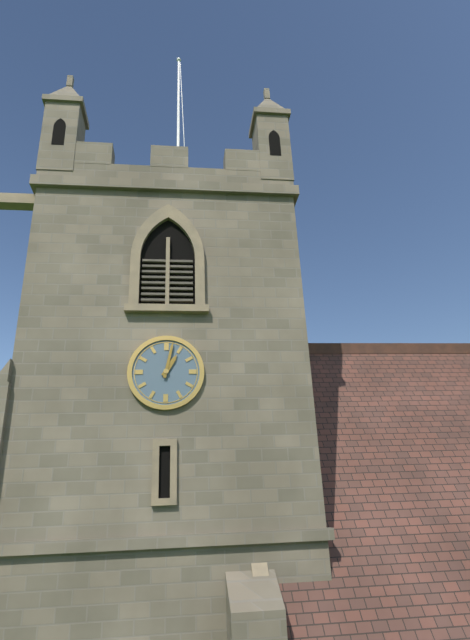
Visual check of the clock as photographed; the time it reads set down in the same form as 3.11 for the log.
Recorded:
1.02
